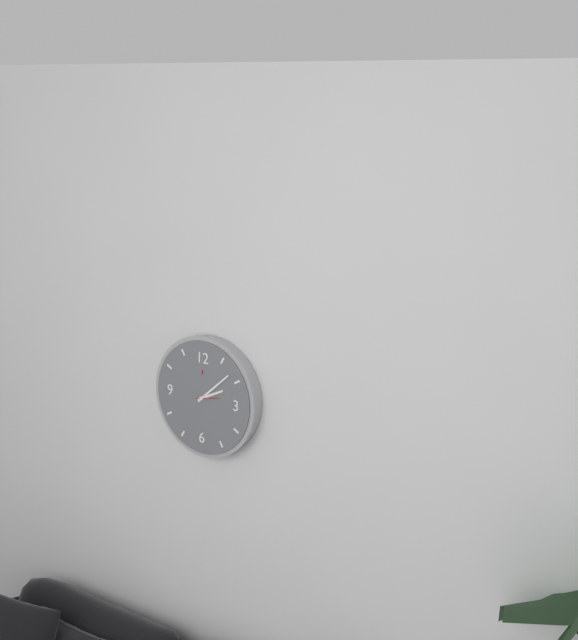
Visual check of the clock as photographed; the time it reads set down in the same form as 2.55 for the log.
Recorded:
2.08
